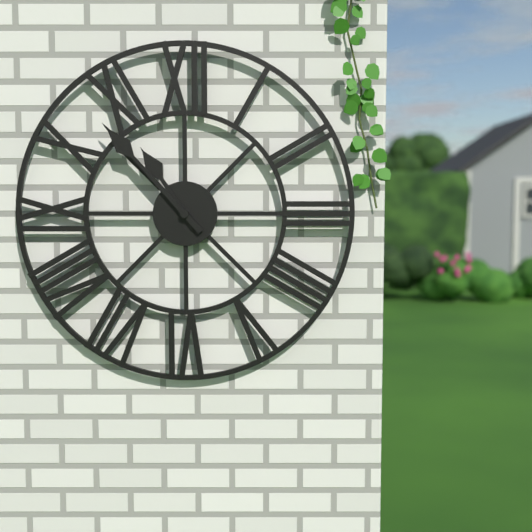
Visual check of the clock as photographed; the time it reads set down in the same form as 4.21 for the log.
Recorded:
10.53
